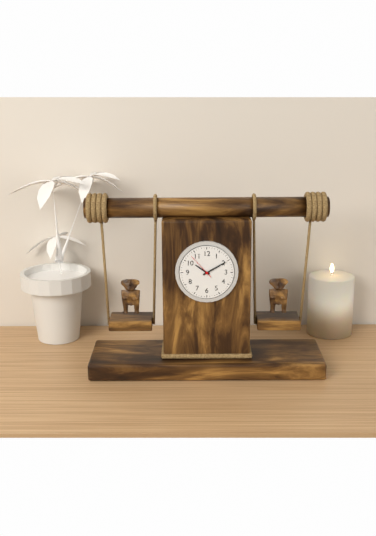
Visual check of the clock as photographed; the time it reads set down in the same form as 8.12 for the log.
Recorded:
10.10
